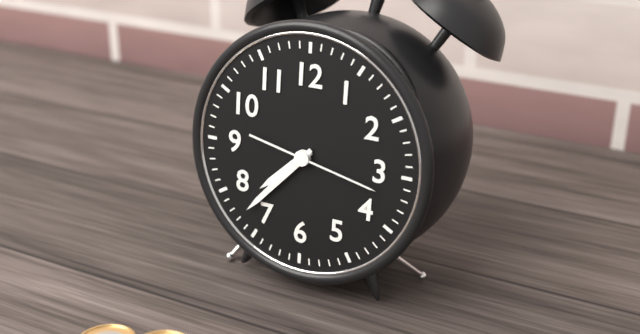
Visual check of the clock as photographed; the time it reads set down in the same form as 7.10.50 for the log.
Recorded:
7.37.17
